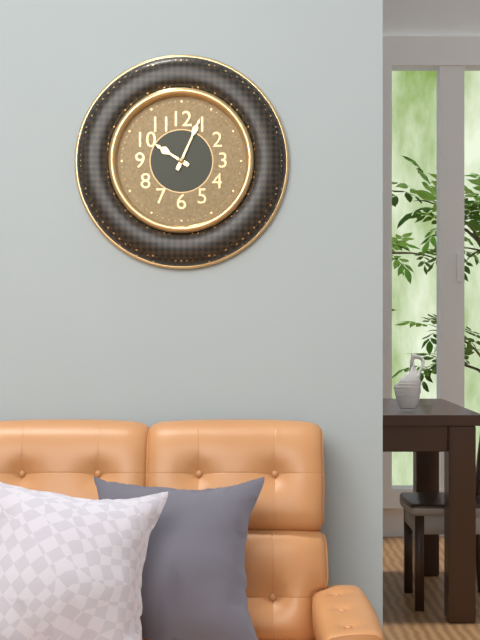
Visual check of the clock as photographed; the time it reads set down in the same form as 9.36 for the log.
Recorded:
10.04
